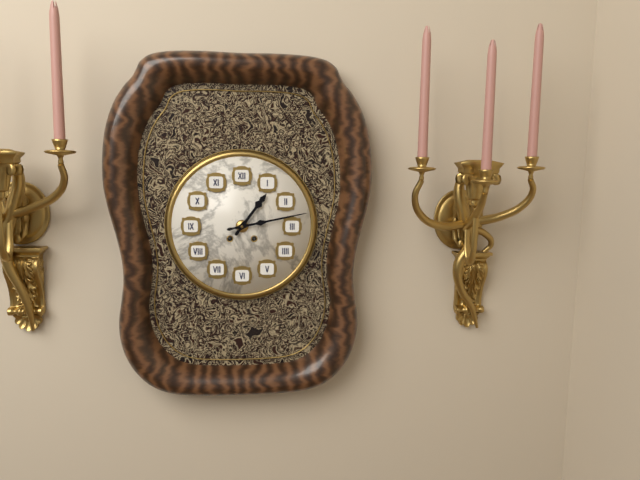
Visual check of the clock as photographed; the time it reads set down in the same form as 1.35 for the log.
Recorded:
1.13
